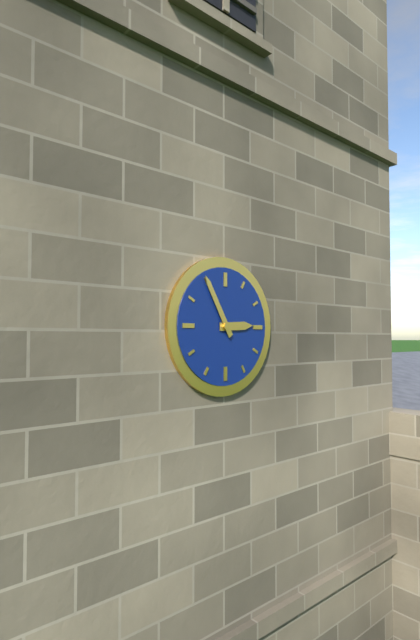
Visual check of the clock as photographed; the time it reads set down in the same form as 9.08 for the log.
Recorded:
2.55
